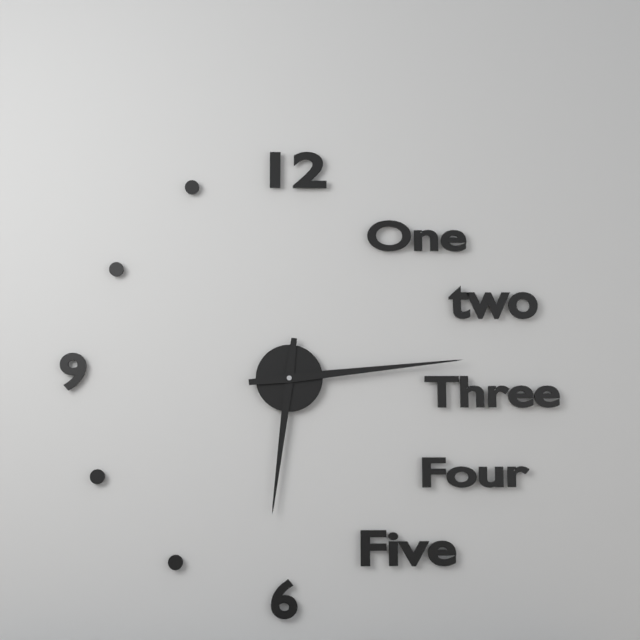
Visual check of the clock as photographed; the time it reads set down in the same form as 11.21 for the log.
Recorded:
6.14
